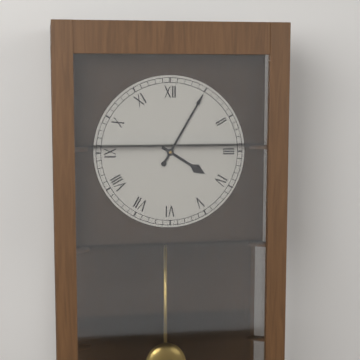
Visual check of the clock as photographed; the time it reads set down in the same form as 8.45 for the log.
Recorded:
4.05
